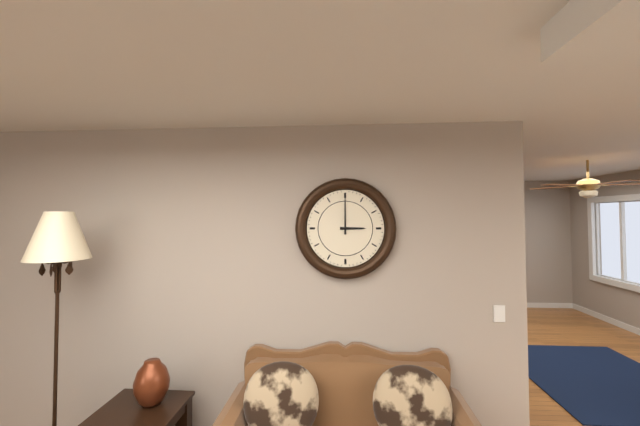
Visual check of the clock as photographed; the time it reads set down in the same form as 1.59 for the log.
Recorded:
3.00
